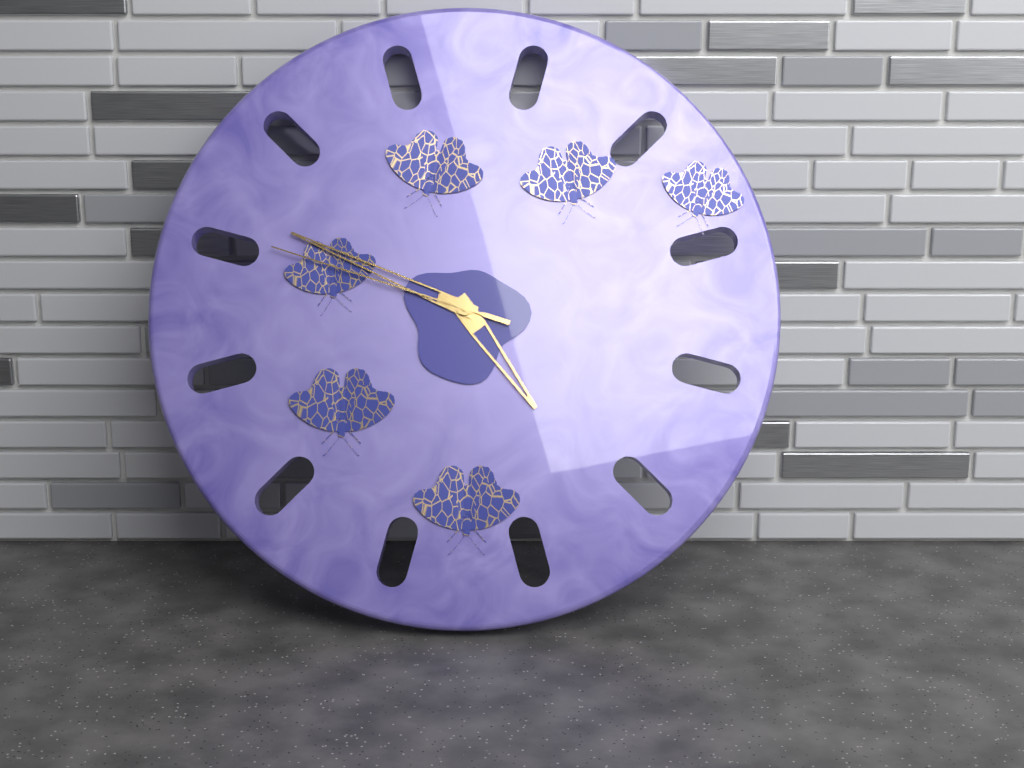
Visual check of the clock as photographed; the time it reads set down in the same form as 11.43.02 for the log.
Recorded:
4.49.48
